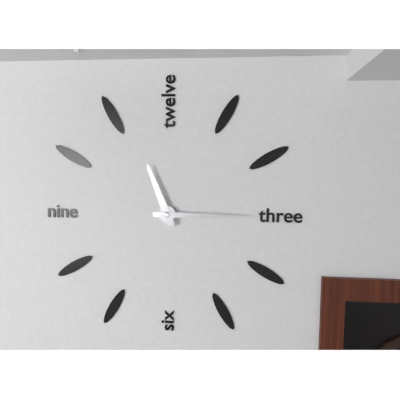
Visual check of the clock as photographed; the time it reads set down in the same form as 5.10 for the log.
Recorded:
11.15
